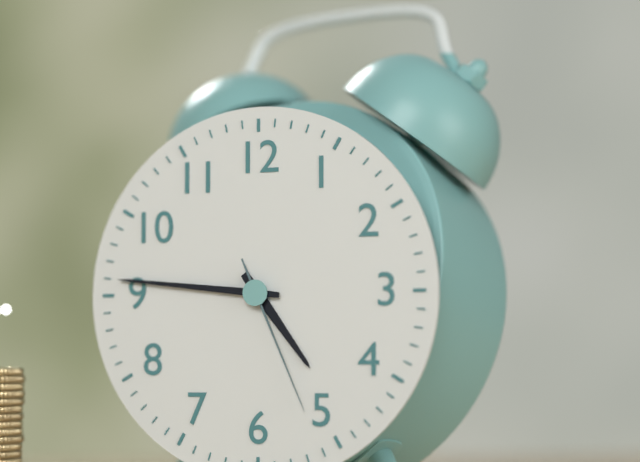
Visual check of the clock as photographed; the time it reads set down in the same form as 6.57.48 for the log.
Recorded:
4.46.26
